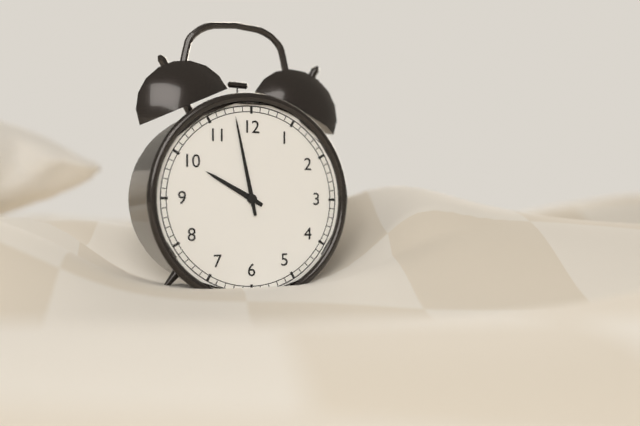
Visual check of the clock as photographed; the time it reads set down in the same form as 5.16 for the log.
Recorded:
9.58
